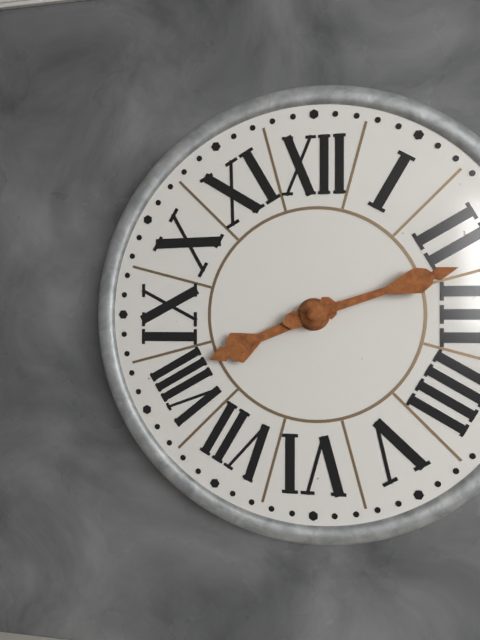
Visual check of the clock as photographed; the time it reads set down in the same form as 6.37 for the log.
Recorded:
8.12
